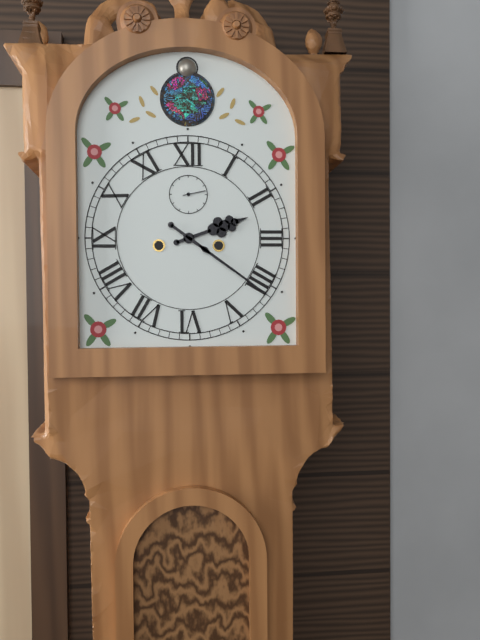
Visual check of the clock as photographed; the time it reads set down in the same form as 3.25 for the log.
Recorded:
2.21
